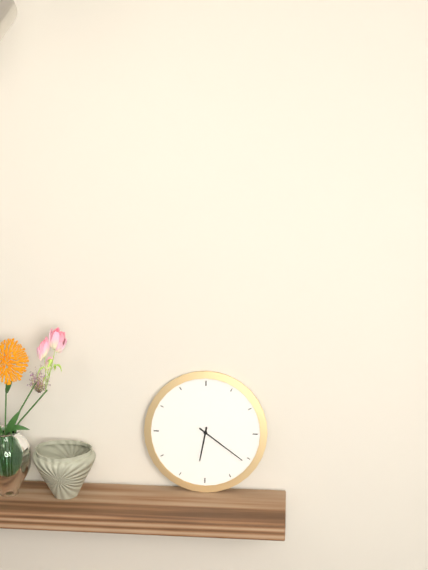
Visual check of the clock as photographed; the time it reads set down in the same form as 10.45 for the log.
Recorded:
6.21
